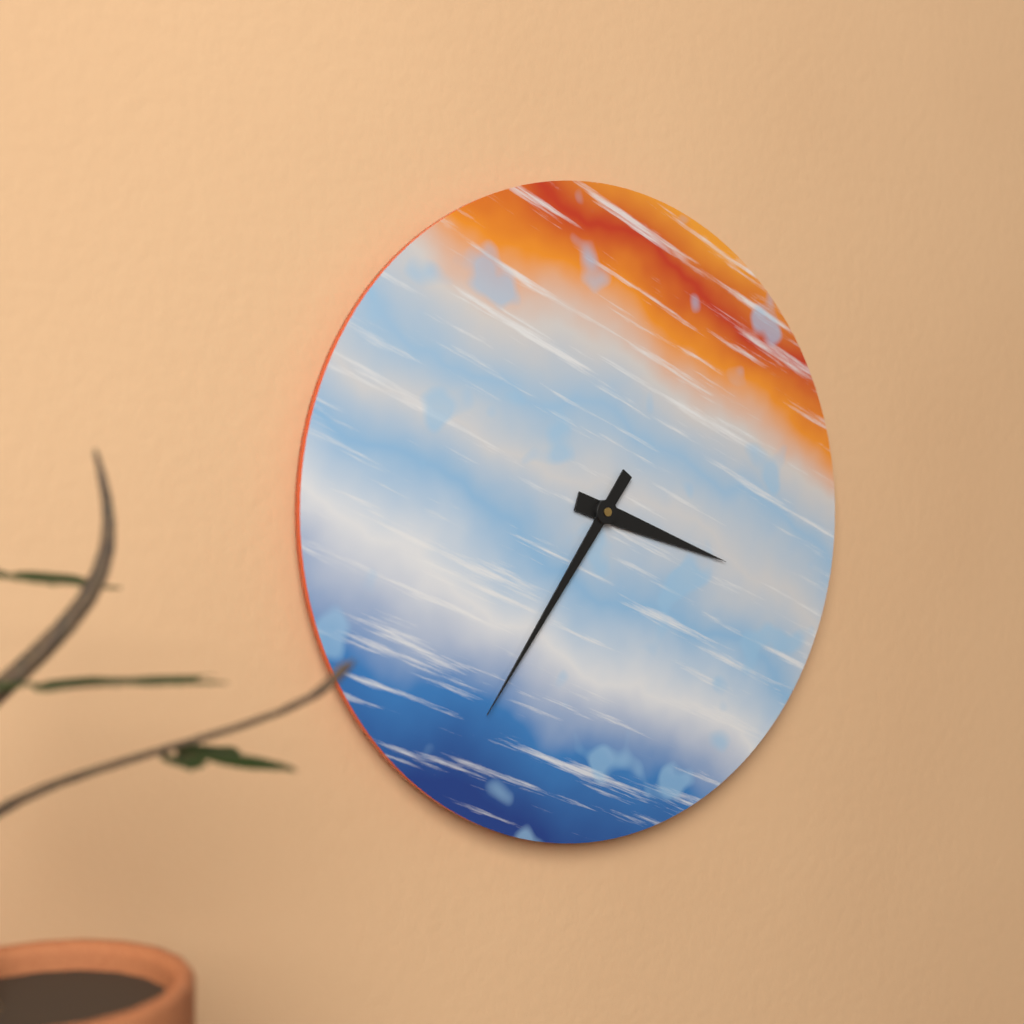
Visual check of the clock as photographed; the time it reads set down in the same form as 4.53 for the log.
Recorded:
3.36
